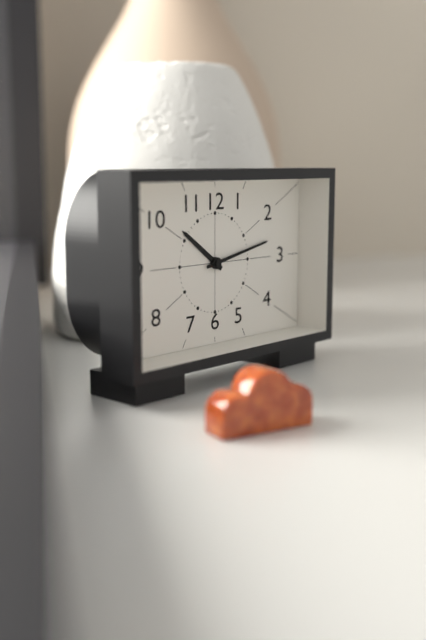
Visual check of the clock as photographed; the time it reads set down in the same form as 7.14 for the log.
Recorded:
10.13
